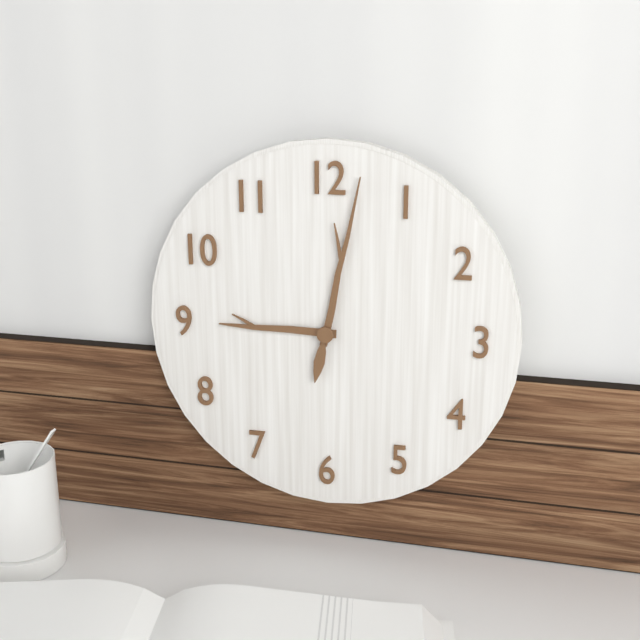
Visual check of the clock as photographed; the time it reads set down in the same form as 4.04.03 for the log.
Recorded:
9.02.32
